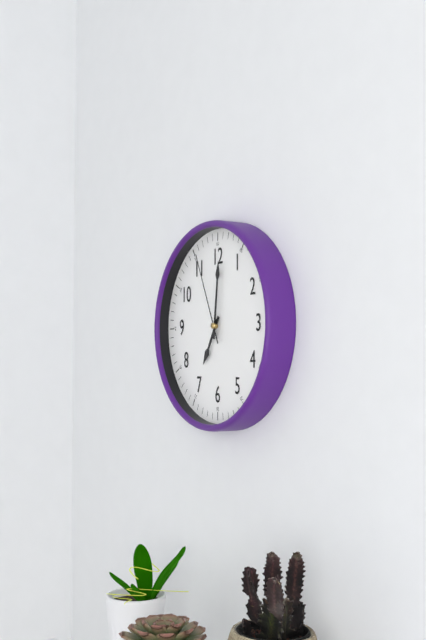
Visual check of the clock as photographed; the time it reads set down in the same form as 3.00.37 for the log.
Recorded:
7.01.56
